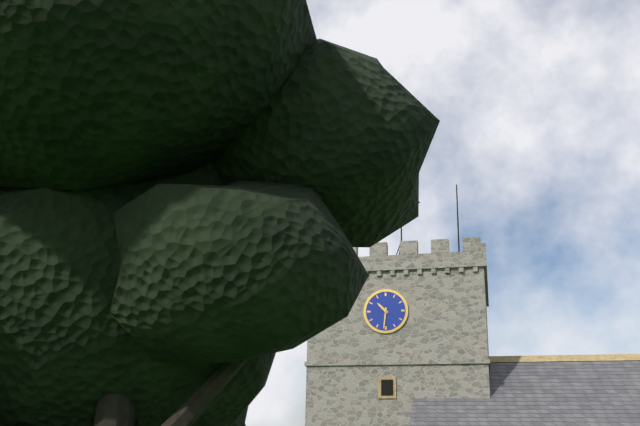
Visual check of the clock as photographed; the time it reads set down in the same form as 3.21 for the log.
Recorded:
10.31
